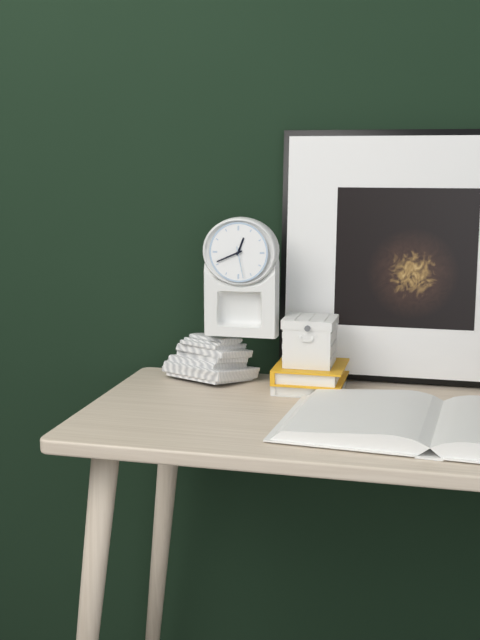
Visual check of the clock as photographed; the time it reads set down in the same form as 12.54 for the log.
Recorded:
12.41
